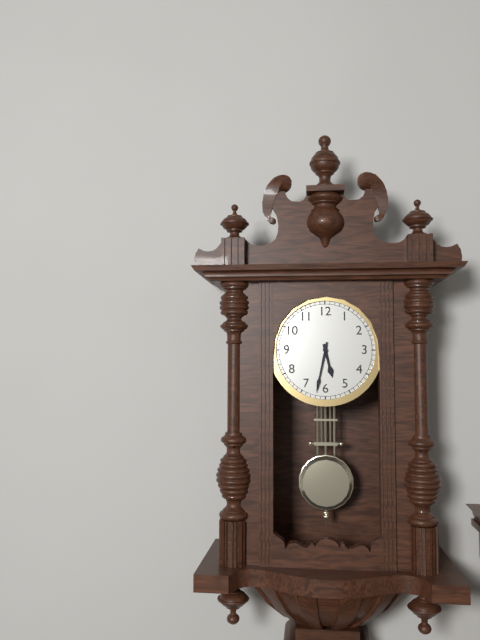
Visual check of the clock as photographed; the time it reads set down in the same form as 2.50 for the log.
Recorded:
5.32
